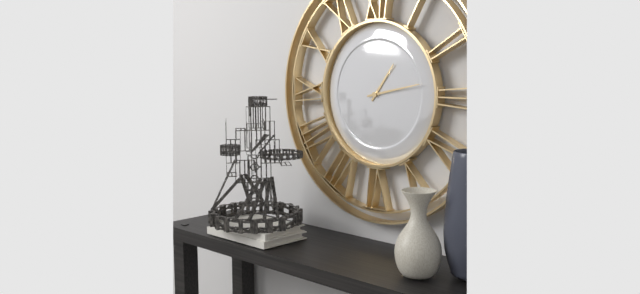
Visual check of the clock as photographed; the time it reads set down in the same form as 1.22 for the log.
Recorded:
1.13
